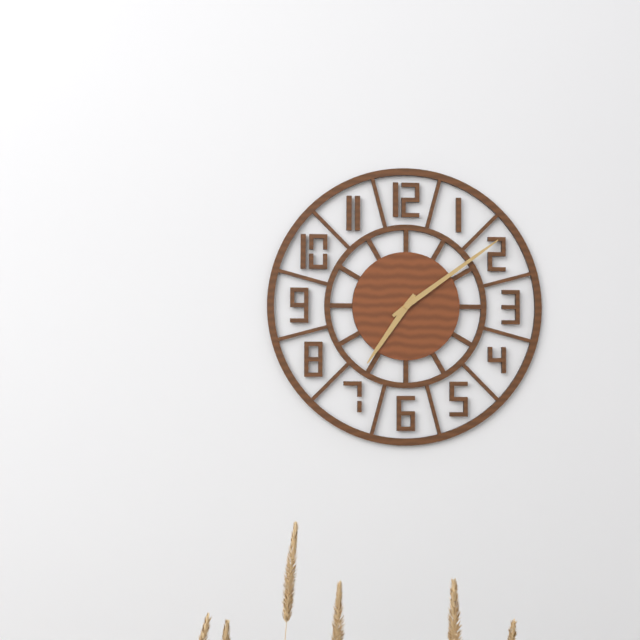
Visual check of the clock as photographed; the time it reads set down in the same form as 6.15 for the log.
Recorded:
7.09
